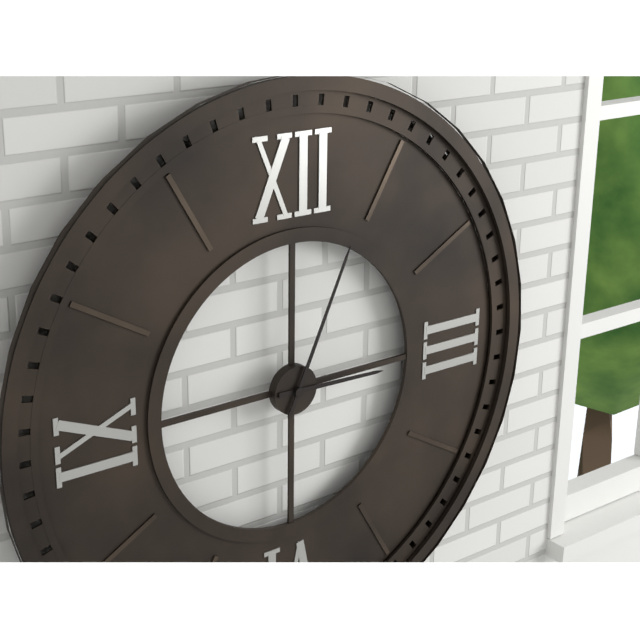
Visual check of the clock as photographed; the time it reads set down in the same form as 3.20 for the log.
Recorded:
3.04
